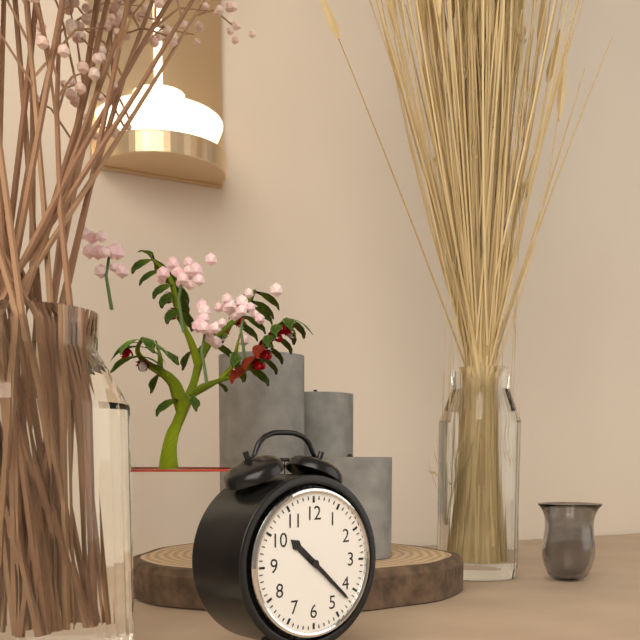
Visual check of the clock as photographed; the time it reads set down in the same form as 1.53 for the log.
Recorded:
10.22
